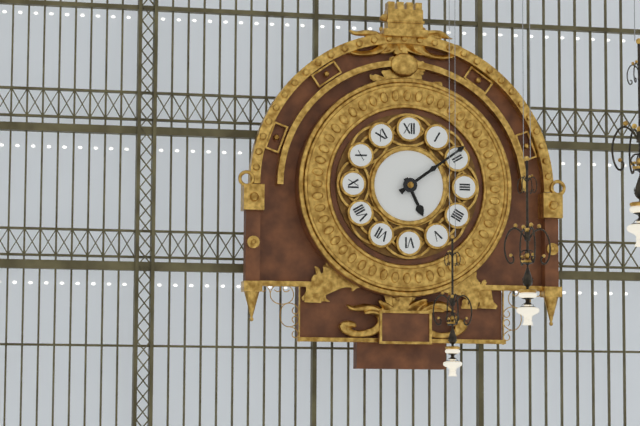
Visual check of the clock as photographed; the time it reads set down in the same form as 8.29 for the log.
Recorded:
5.09
